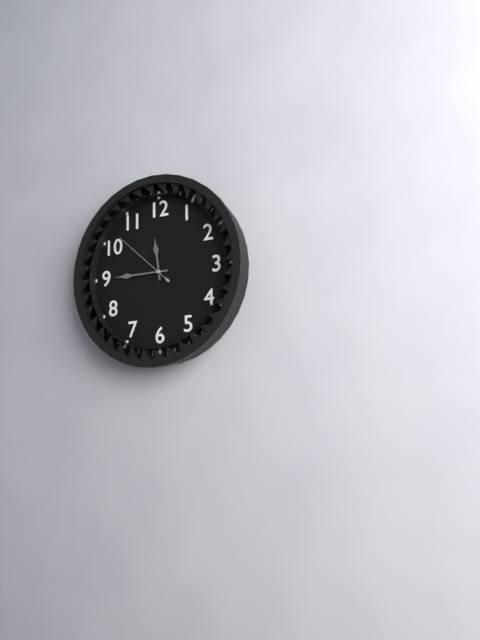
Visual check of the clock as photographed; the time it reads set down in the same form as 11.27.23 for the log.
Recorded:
11.45.52
